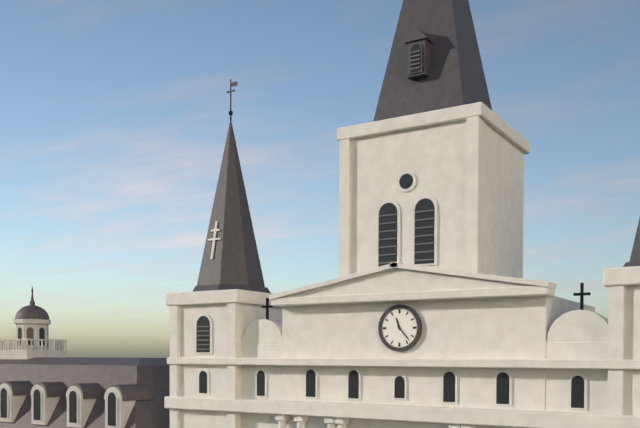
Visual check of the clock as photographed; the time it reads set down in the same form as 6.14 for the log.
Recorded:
11.23
